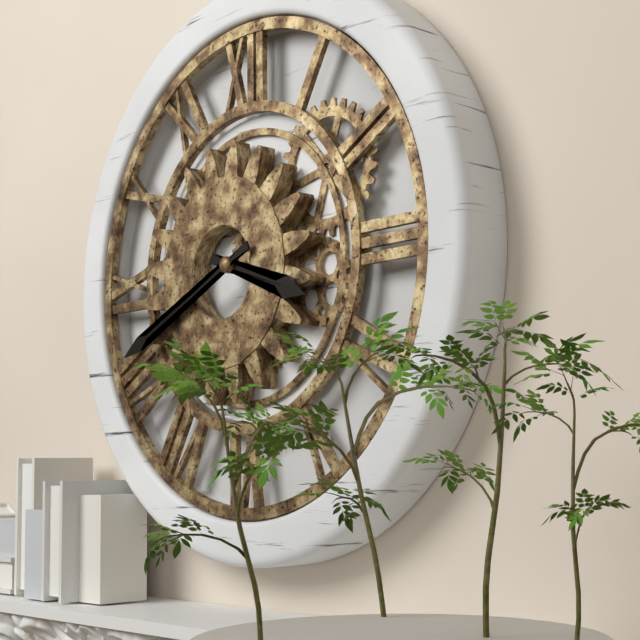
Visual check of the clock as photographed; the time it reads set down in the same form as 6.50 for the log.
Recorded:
3.41
